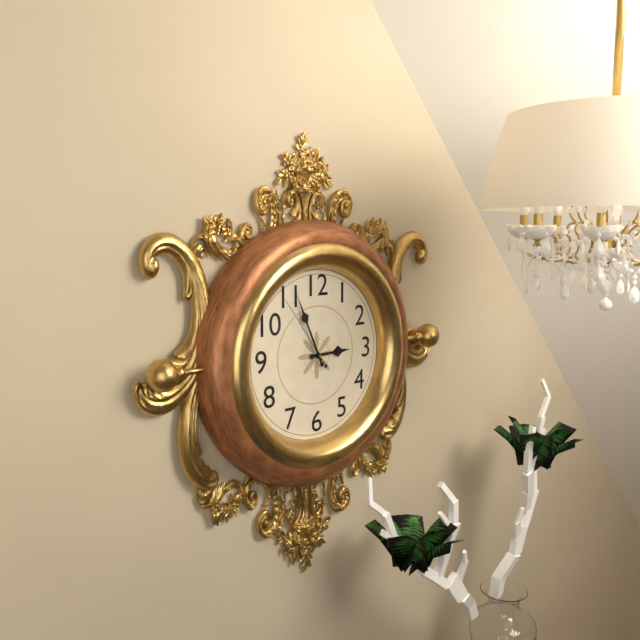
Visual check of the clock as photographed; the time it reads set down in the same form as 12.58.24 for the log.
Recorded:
2.56.54
